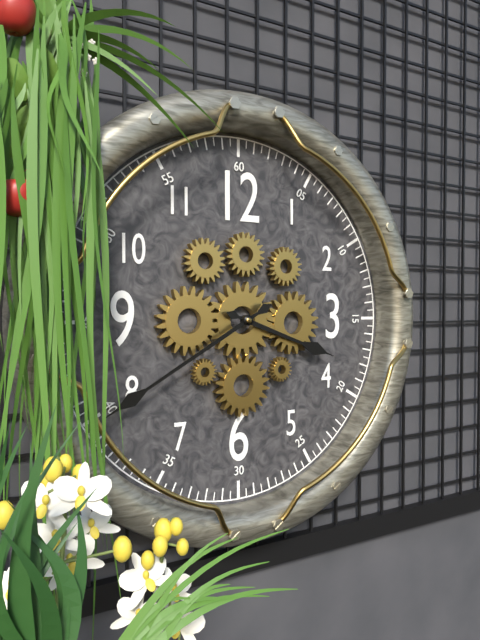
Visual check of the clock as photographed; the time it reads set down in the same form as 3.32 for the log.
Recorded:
3.40
